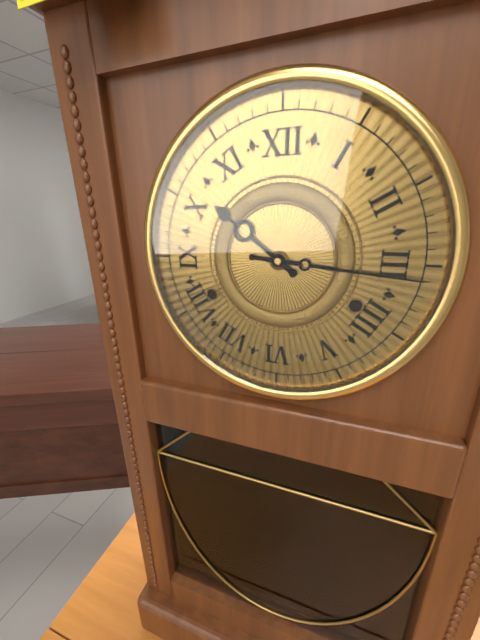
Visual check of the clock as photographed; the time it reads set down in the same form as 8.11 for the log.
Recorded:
10.16
